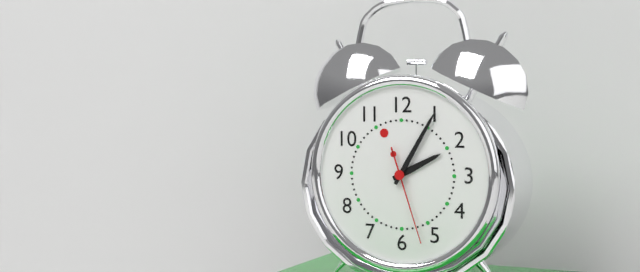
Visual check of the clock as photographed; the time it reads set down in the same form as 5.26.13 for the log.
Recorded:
2.05.27
